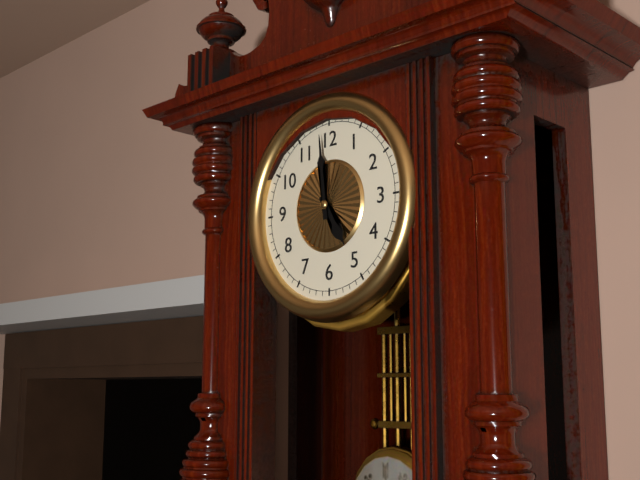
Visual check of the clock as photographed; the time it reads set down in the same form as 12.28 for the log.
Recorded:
4.59
